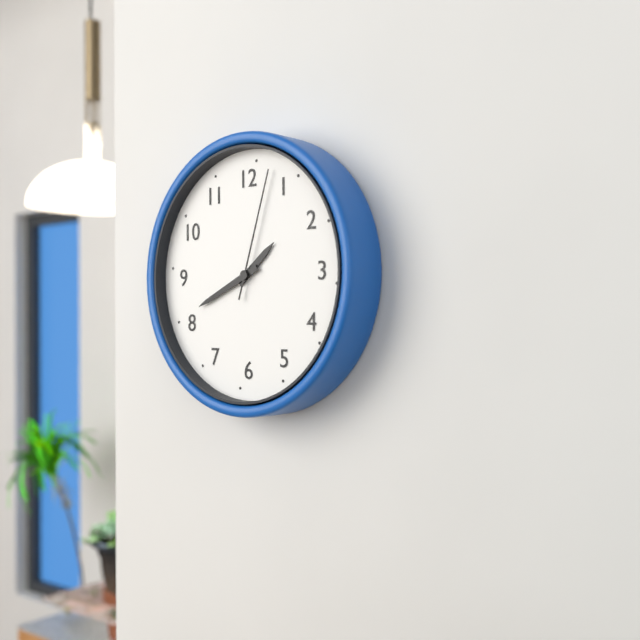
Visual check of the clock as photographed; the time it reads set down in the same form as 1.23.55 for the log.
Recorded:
1.41.03
